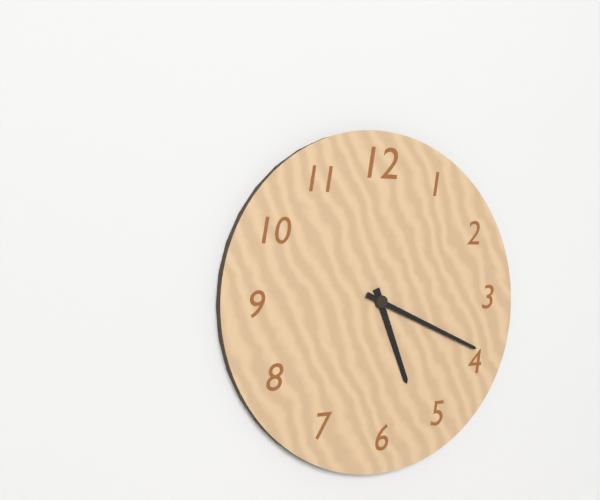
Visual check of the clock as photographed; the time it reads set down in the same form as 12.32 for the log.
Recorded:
5.19
